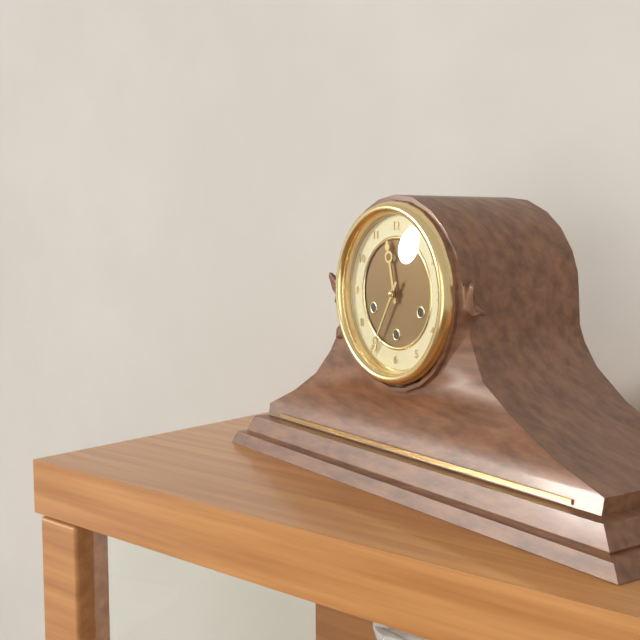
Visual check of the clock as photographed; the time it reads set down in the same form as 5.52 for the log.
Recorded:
11.35
